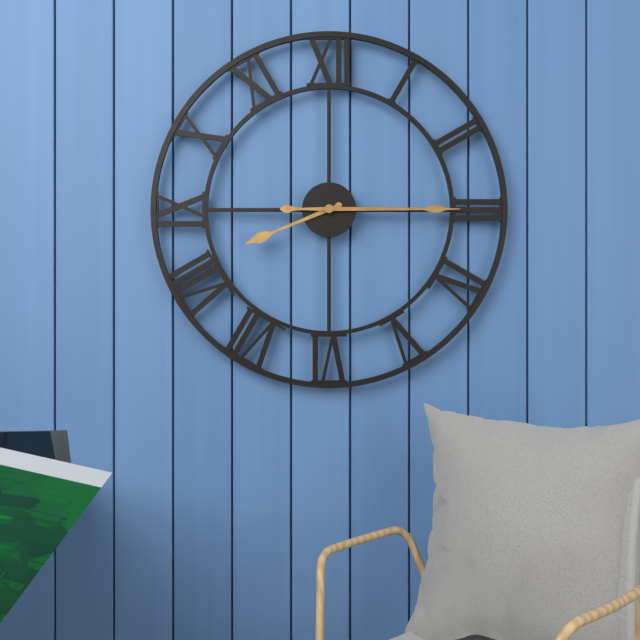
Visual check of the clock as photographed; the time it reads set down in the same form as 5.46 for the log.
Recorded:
8.15
